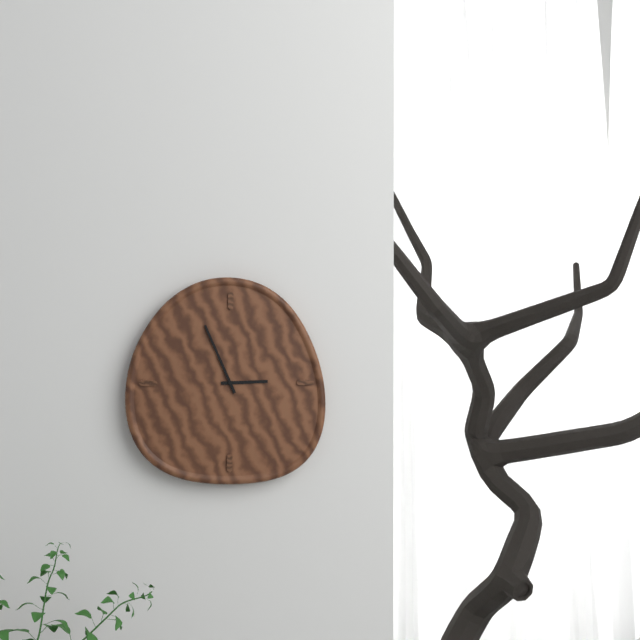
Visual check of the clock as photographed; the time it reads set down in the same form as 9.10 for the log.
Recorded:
2.56
